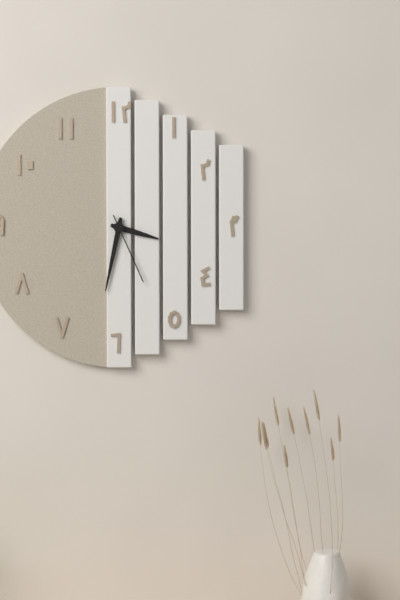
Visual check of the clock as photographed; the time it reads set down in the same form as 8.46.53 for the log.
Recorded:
3.32.26
